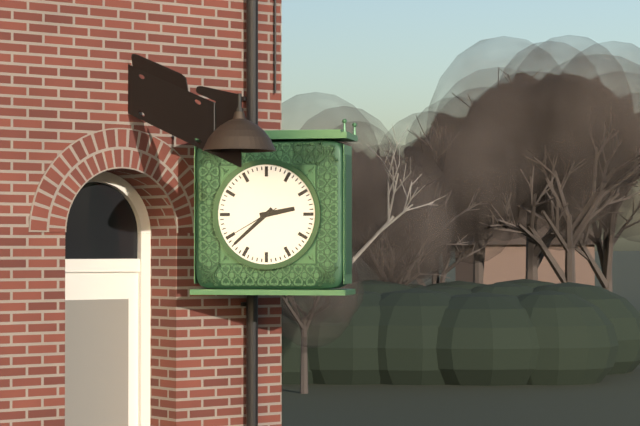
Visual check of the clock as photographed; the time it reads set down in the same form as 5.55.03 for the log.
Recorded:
2.38.40
